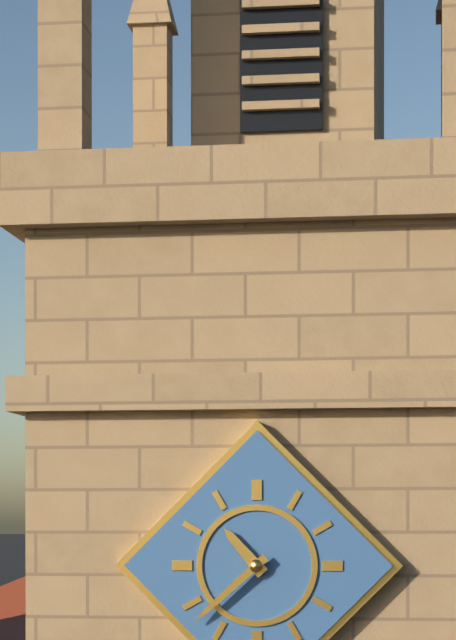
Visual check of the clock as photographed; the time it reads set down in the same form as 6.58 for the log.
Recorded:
10.38
